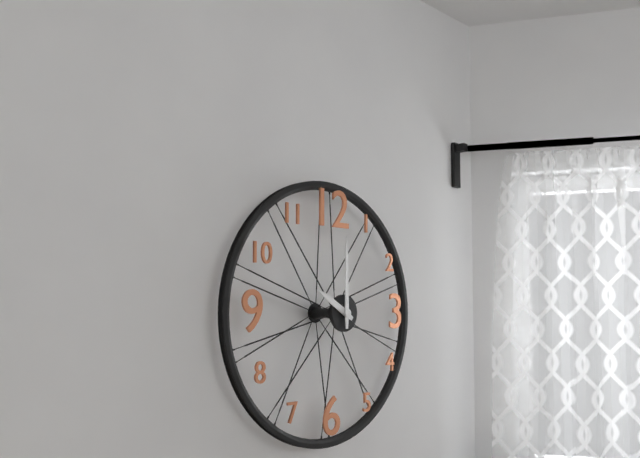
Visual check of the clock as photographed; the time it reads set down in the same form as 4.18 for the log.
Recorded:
10.00
